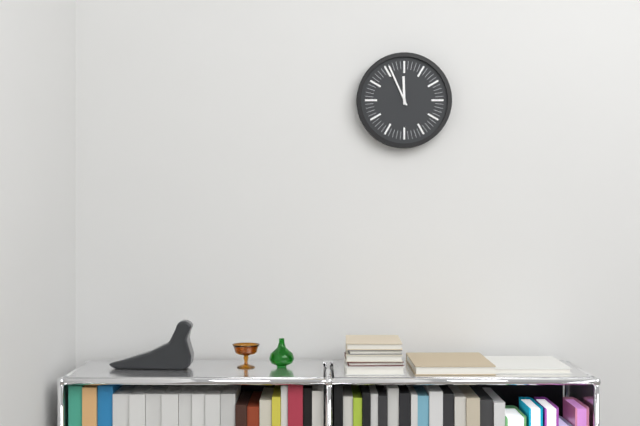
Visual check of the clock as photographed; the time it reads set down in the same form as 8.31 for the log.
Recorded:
11.56
